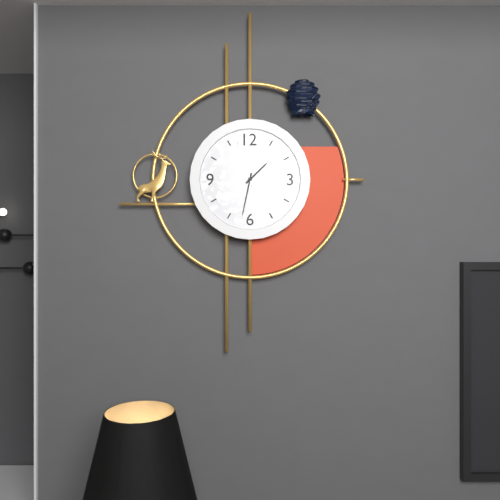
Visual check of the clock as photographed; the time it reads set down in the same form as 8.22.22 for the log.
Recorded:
1.32.57
